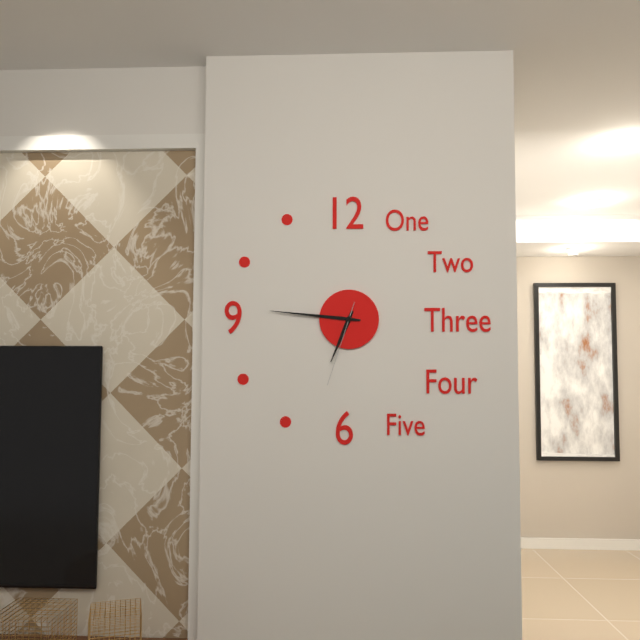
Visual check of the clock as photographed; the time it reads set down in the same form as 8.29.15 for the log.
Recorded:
6.46.33
